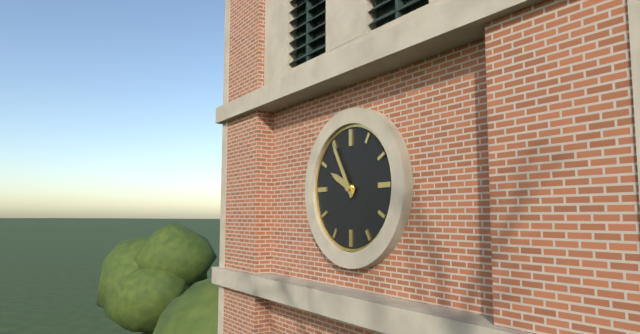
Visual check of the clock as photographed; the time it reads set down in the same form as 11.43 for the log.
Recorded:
9.55
